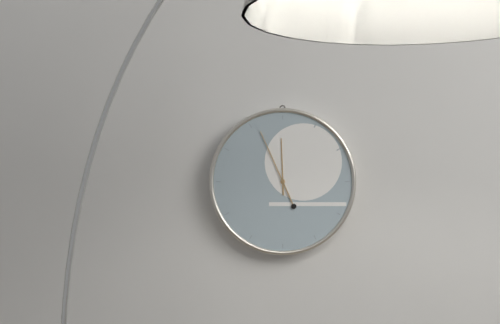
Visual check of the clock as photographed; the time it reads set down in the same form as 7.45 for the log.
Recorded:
11.56
